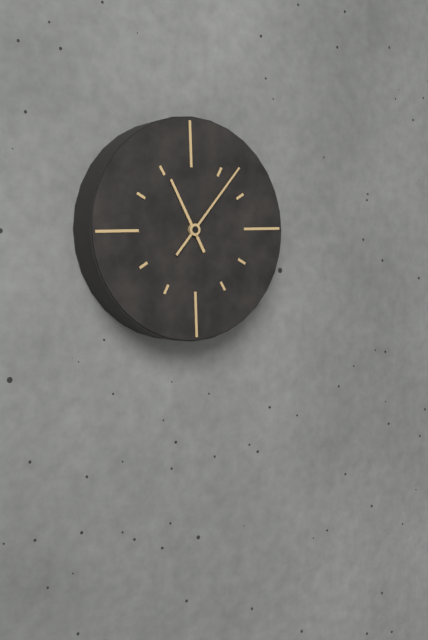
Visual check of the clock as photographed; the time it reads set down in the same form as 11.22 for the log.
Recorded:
11.07
